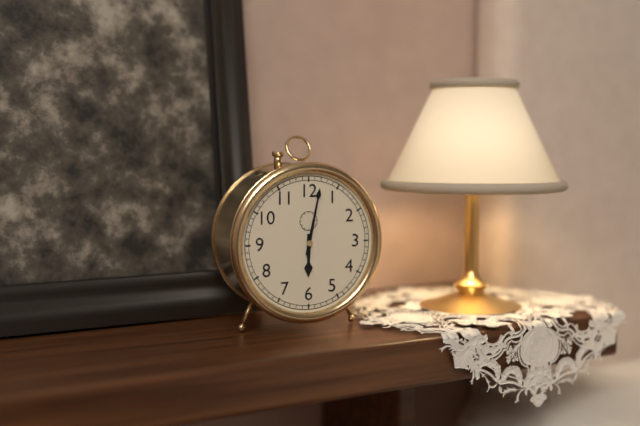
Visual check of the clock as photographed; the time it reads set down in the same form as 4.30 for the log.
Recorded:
6.02
